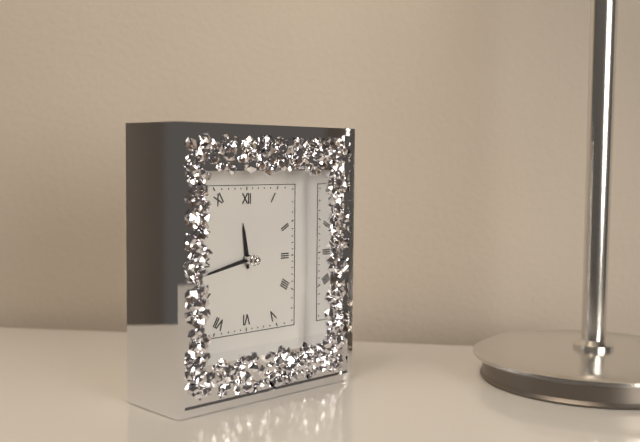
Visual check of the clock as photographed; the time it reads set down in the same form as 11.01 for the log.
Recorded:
11.43
